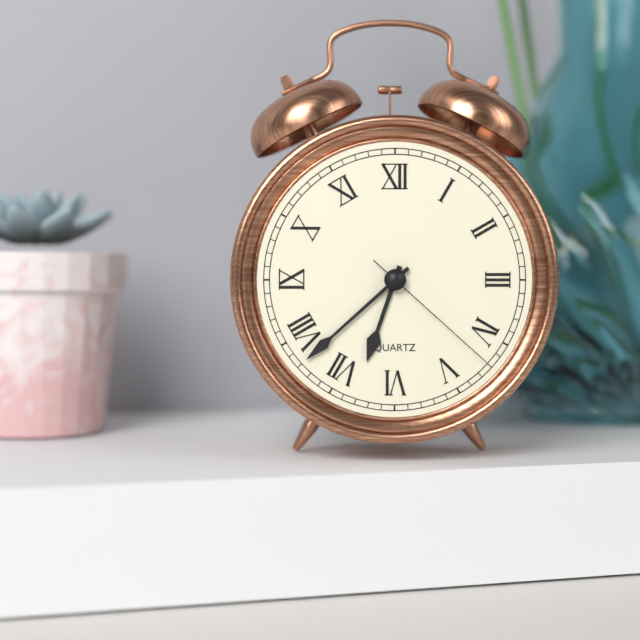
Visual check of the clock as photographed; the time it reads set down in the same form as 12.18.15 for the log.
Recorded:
6.38.22
